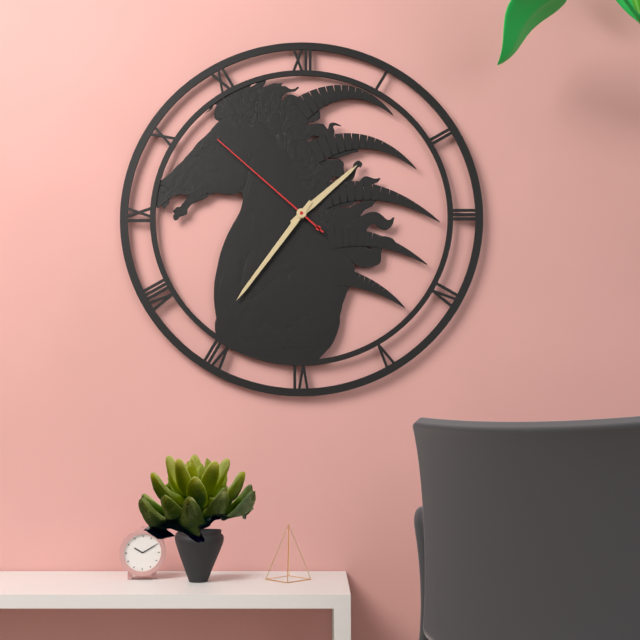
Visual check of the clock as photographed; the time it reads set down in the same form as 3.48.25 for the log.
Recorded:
1.36.52
